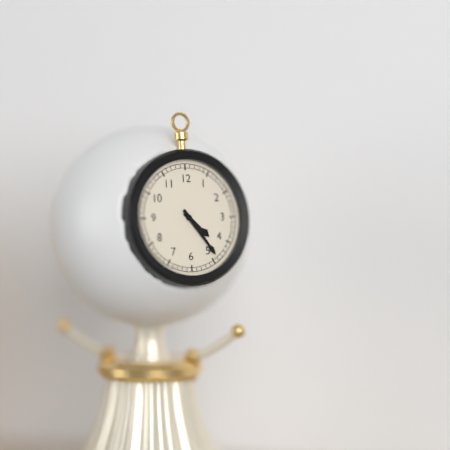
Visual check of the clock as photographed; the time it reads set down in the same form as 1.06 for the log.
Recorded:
4.24
